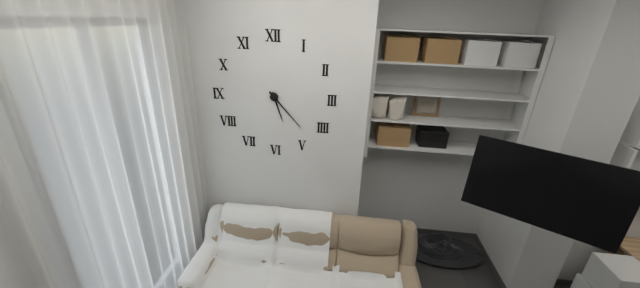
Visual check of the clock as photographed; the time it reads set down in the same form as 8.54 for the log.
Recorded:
5.23
